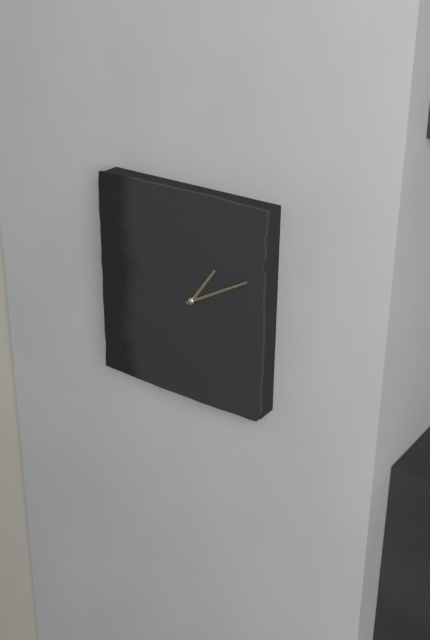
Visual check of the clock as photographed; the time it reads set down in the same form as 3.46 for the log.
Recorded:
1.10
